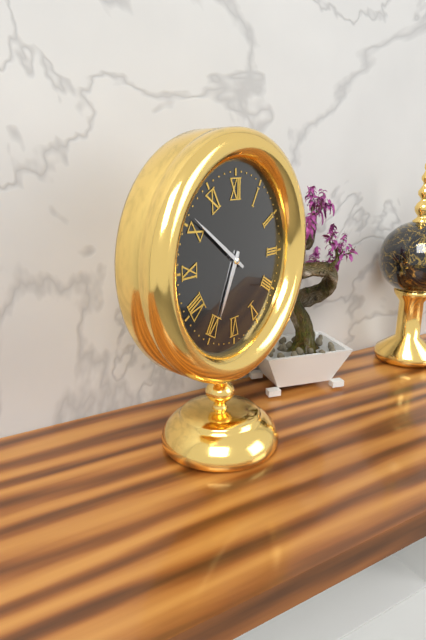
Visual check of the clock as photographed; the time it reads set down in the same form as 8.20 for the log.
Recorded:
6.51
